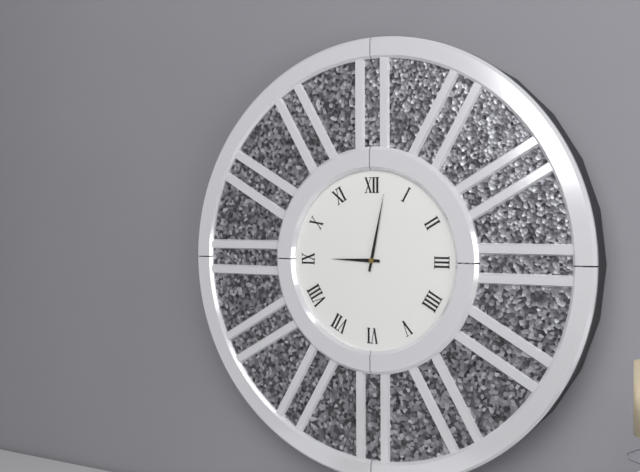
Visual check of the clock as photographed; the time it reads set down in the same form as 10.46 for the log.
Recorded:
9.02
